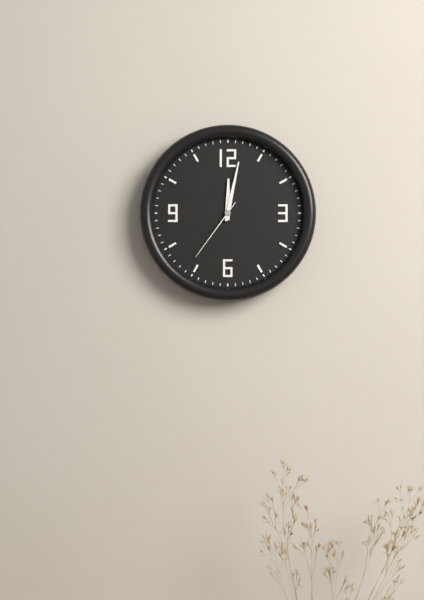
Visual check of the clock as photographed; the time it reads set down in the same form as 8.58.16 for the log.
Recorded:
12.02.36
